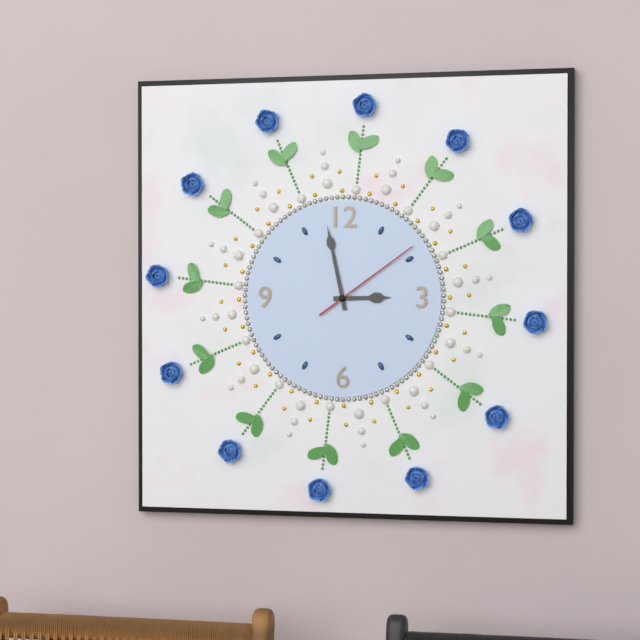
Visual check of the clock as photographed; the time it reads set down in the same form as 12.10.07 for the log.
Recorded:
2.58.09
